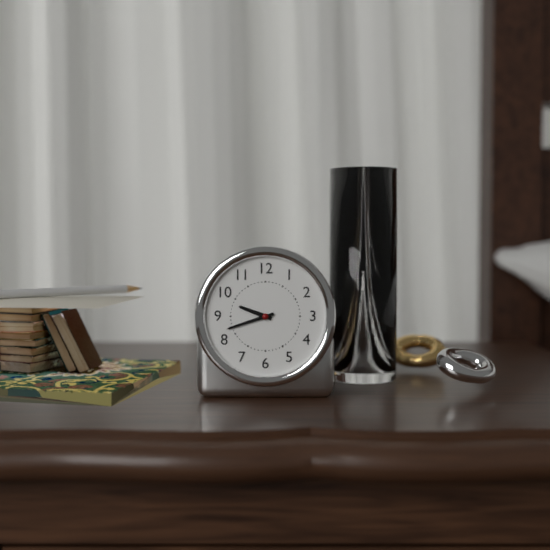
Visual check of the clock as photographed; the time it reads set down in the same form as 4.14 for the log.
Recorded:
9.42
